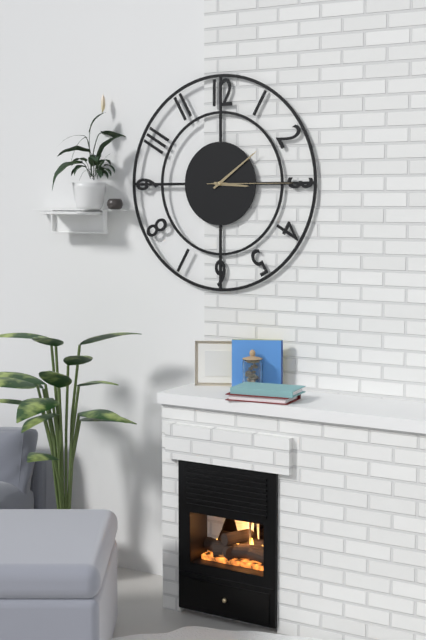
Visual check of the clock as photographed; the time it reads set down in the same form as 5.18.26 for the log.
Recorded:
3.09.15
